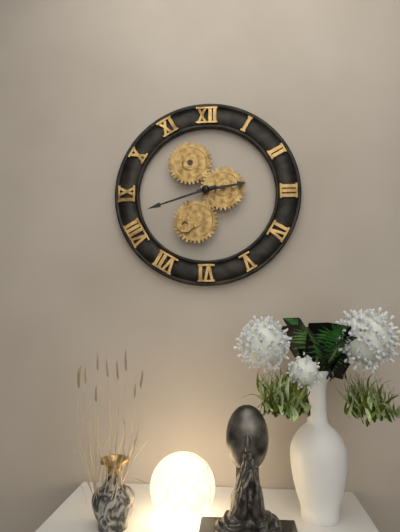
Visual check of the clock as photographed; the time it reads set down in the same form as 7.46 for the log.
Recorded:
2.42
